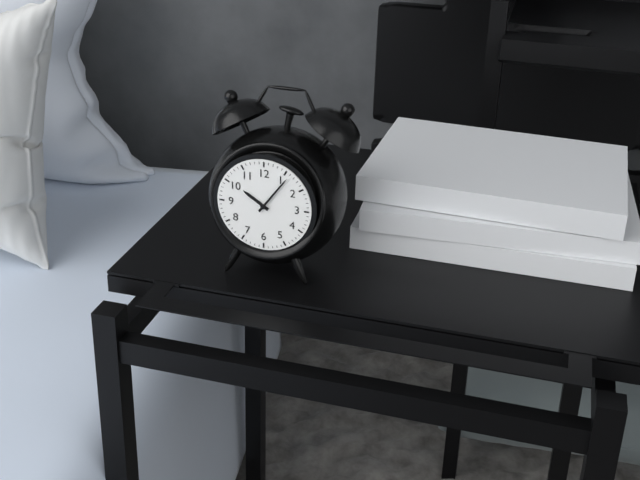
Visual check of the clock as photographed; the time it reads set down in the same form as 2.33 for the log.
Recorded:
10.06
